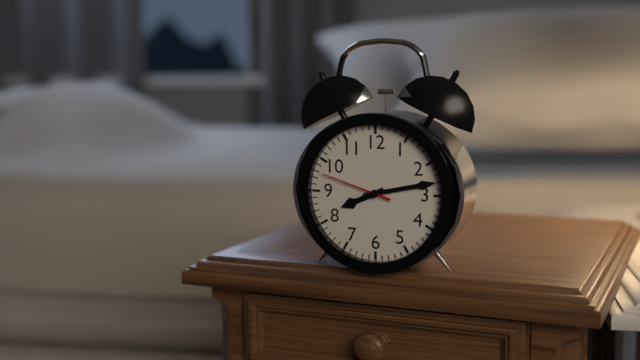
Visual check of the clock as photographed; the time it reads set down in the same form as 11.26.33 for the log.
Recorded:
8.13.48
